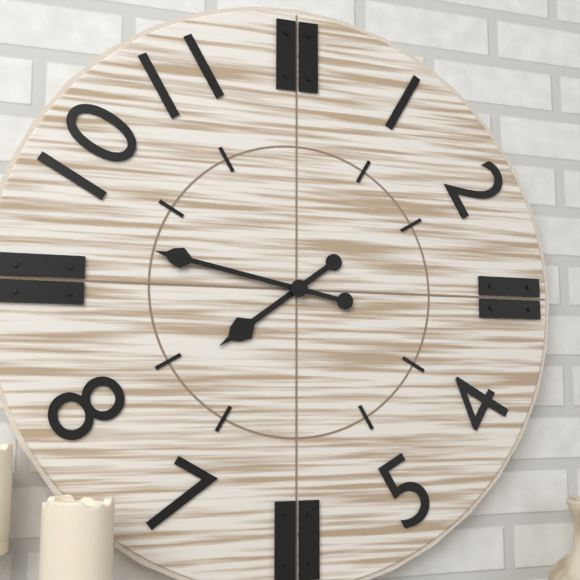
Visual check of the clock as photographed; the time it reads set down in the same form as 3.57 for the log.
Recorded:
7.47
